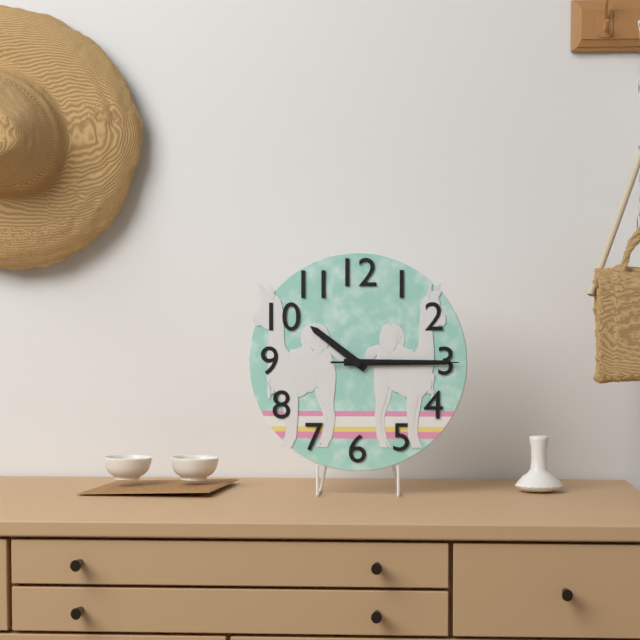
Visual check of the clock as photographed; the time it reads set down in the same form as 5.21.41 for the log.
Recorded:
10.15.15
